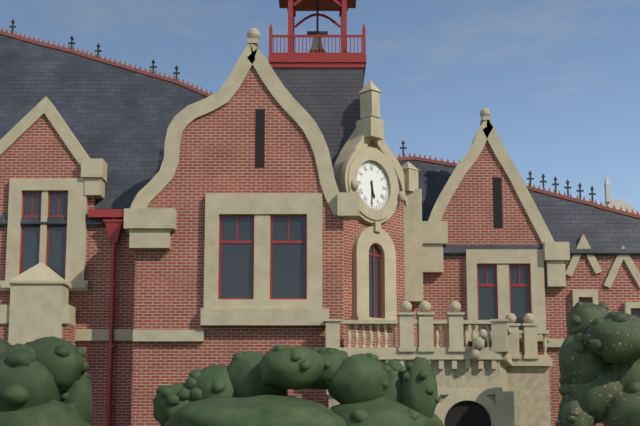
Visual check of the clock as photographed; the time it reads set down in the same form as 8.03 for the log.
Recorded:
5.30
